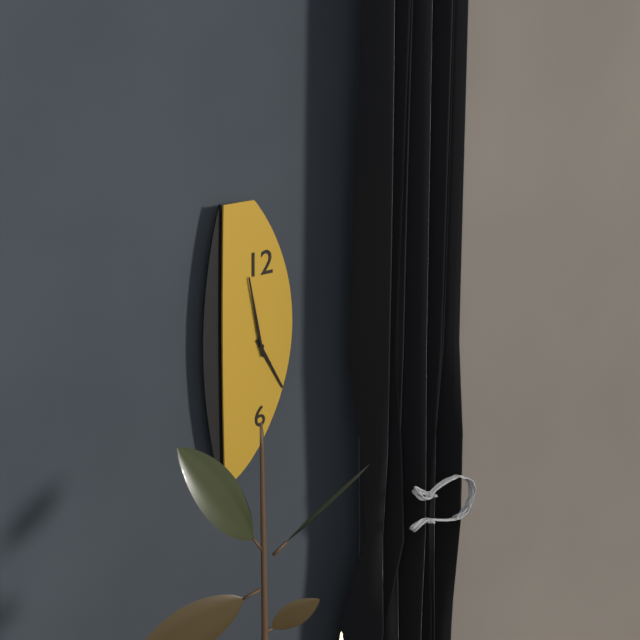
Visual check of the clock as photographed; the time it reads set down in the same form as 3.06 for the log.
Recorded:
4.58
